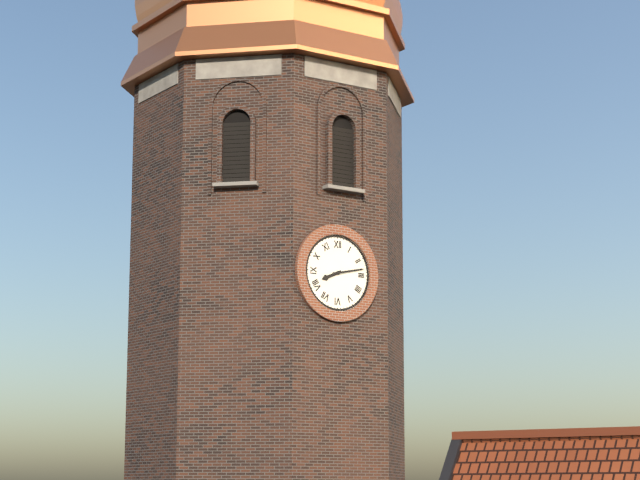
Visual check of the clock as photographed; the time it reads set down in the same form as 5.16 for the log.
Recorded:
8.13
